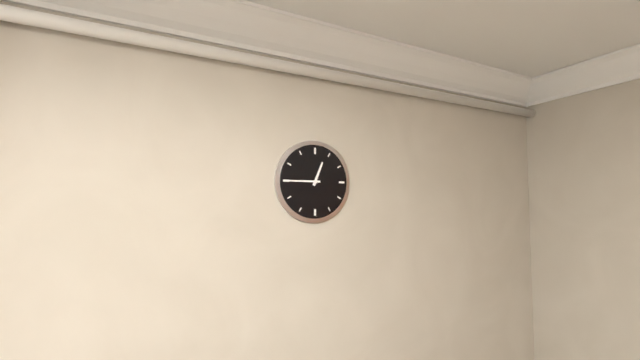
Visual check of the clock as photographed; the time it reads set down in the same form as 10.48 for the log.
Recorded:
12.45
